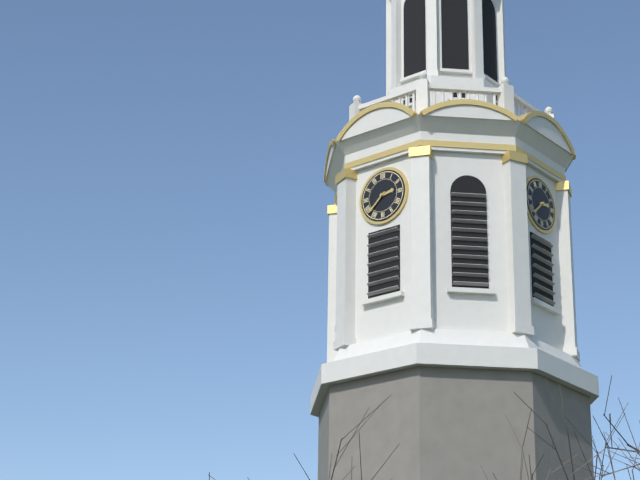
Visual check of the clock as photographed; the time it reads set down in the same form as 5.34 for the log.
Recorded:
2.38
